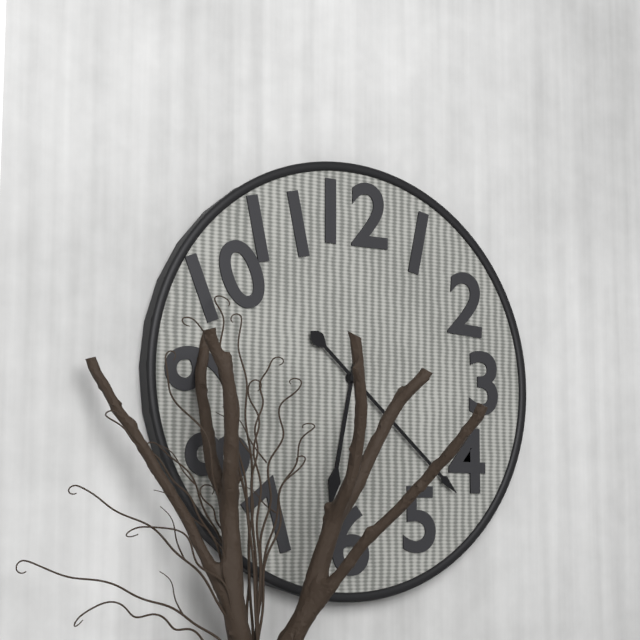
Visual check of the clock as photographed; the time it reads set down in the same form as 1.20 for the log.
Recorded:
6.22
